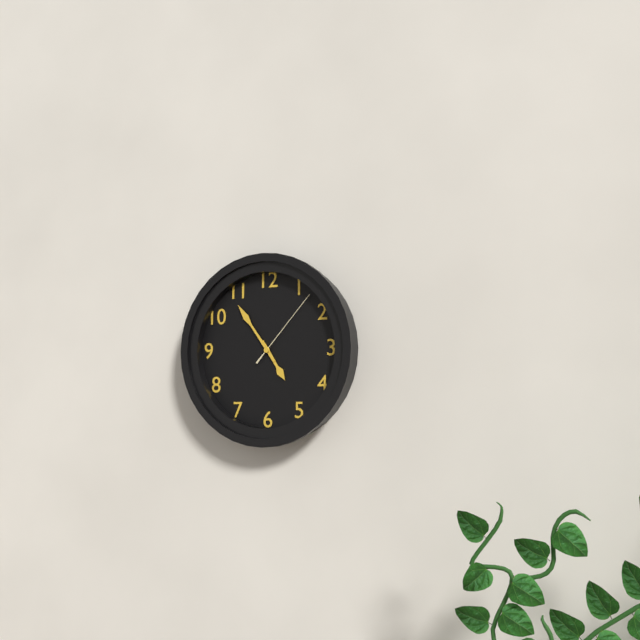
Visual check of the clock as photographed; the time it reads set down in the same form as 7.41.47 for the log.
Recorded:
4.54.07
